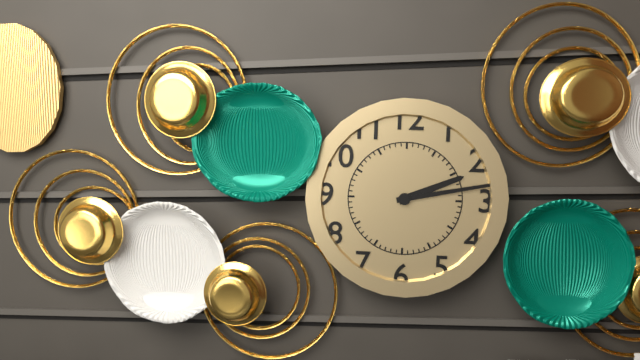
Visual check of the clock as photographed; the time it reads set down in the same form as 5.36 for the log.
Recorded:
2.13
